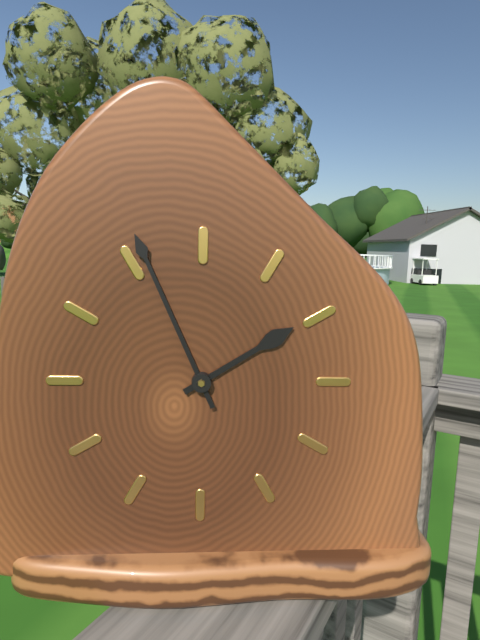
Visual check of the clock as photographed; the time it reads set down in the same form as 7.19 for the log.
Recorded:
1.56
